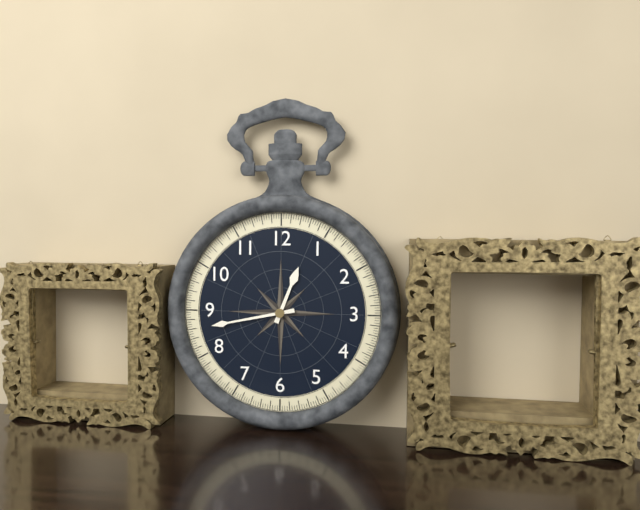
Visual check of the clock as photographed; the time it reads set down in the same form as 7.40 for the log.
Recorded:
12.43
